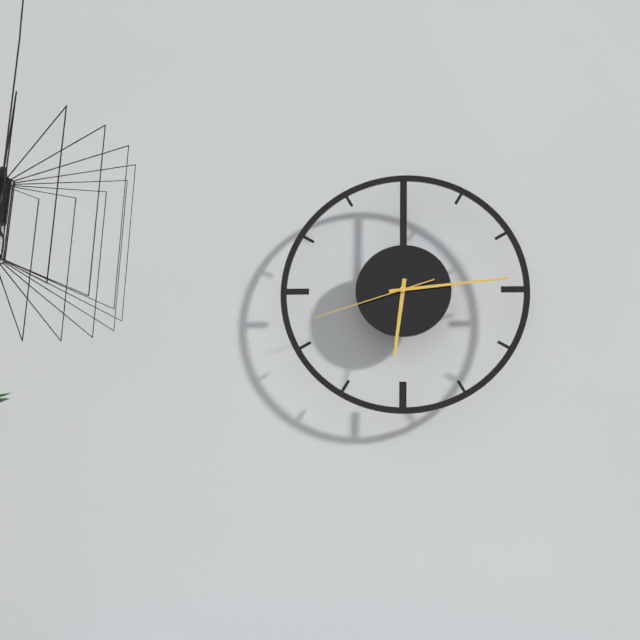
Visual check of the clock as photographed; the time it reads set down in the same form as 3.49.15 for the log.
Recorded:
6.14.42
